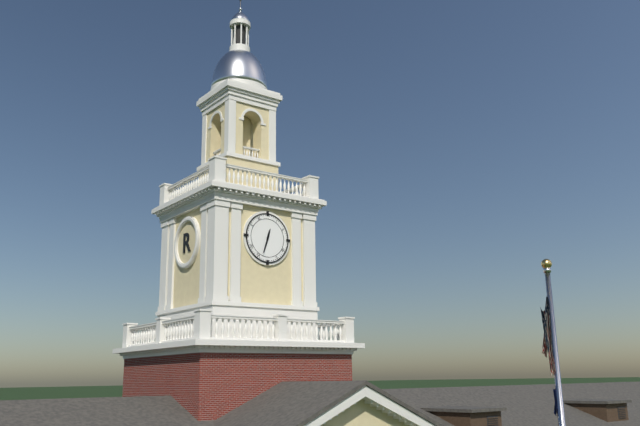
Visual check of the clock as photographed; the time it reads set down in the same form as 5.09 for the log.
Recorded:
12.33
